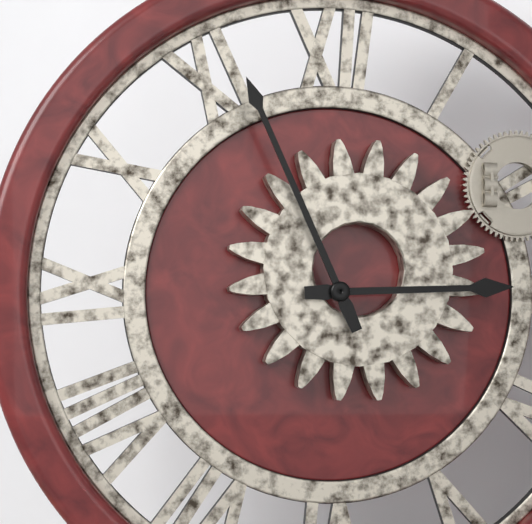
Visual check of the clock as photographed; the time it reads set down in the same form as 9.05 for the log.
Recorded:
2.56
